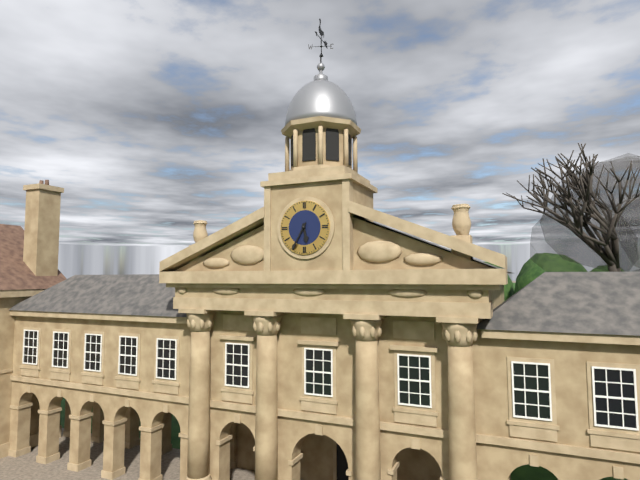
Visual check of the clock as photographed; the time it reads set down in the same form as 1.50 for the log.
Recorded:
5.35
